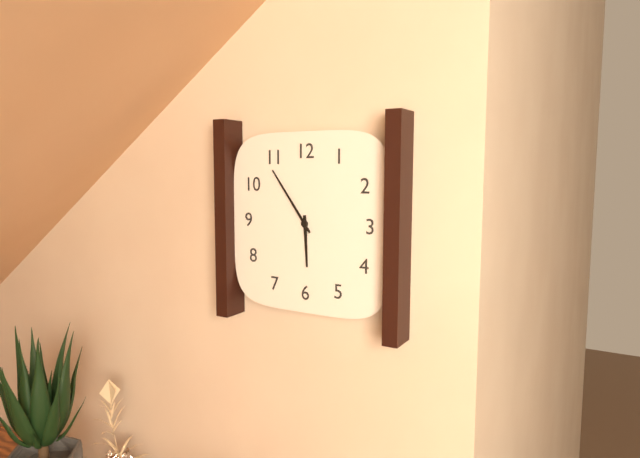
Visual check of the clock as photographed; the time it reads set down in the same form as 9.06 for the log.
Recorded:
5.54
